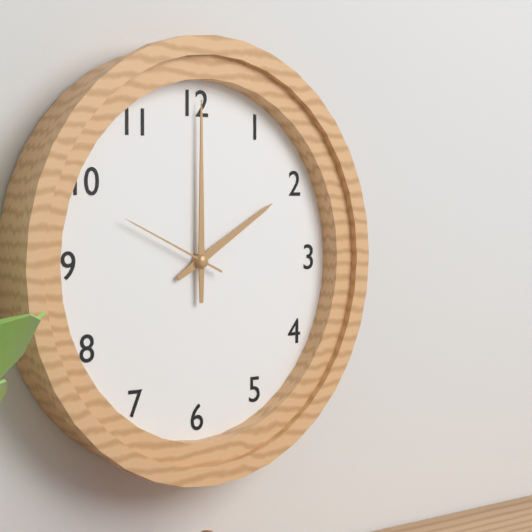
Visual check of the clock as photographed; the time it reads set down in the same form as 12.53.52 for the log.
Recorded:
2.00.49
